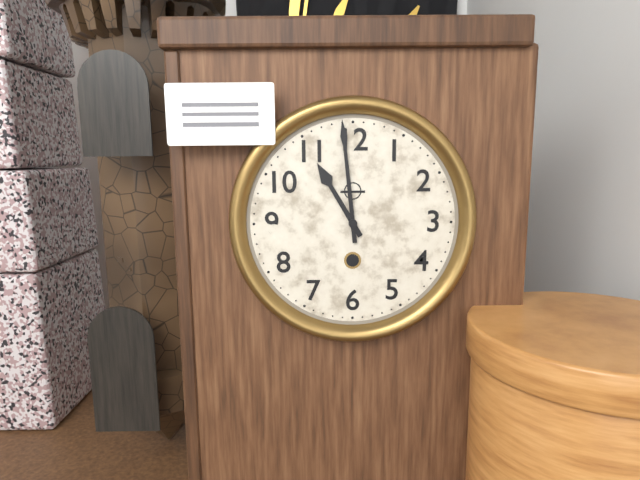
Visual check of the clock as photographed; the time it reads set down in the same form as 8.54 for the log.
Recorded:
10.59
